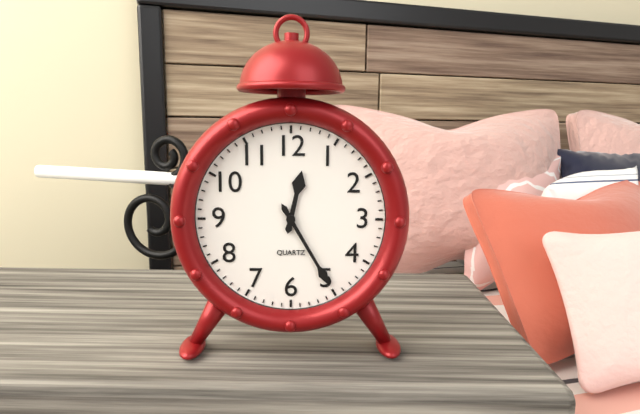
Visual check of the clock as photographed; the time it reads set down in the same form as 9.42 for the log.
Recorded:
12.25
